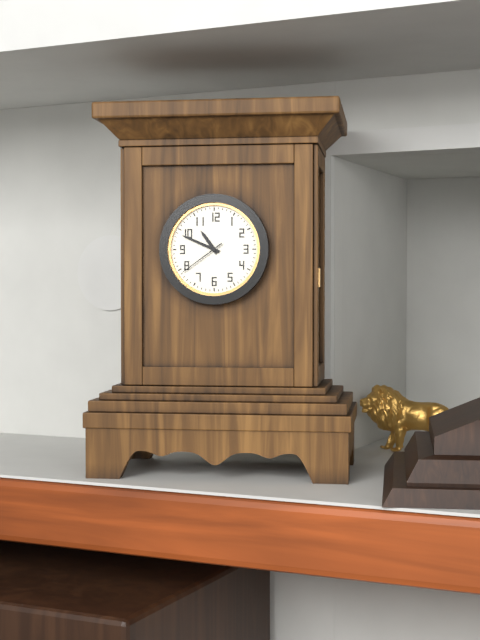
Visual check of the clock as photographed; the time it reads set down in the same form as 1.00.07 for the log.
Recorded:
10.49.39
